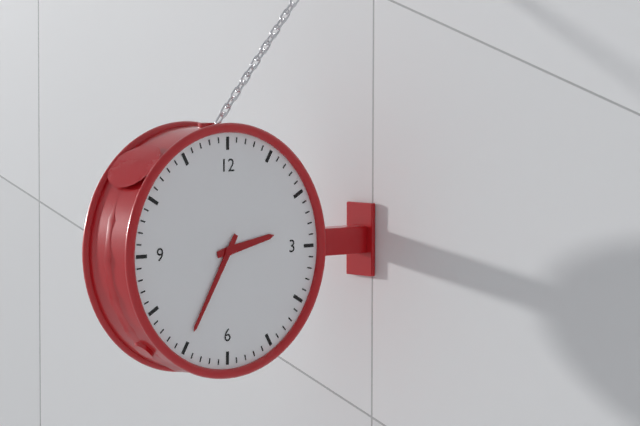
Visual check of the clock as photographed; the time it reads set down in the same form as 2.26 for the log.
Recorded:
2.35
